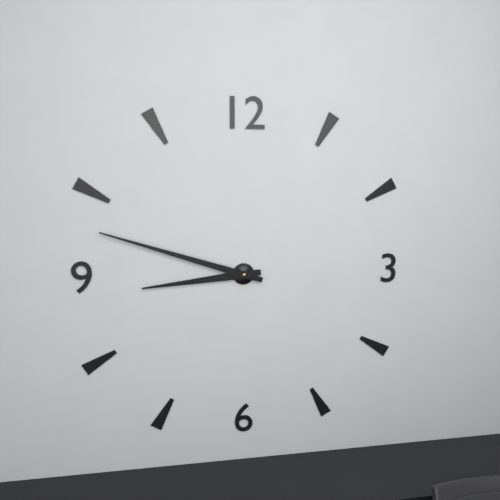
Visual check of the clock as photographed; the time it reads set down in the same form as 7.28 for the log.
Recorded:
8.48
